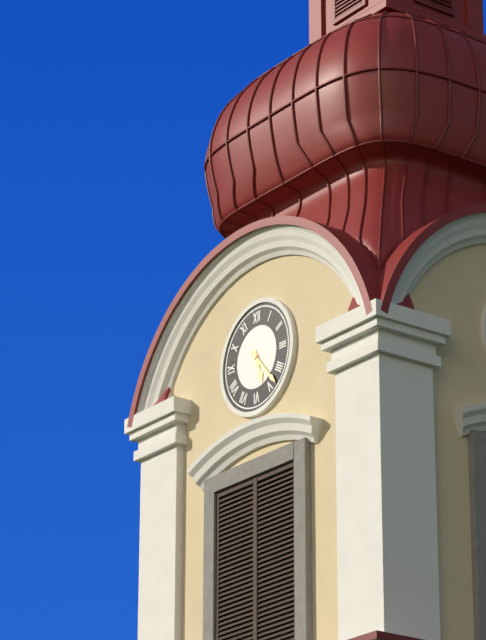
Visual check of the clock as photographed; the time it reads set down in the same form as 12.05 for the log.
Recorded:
5.23
